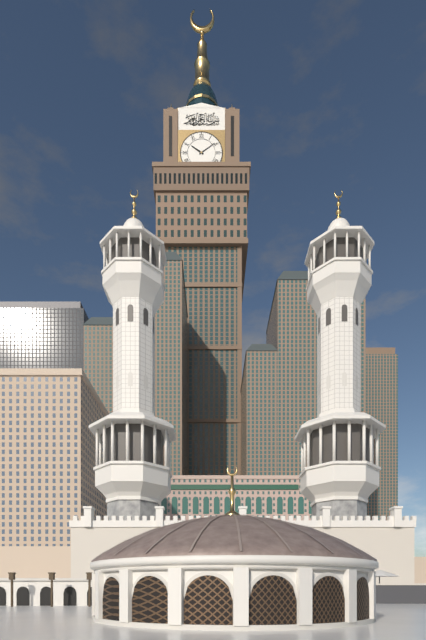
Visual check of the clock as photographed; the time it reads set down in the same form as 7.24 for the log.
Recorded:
10.09
